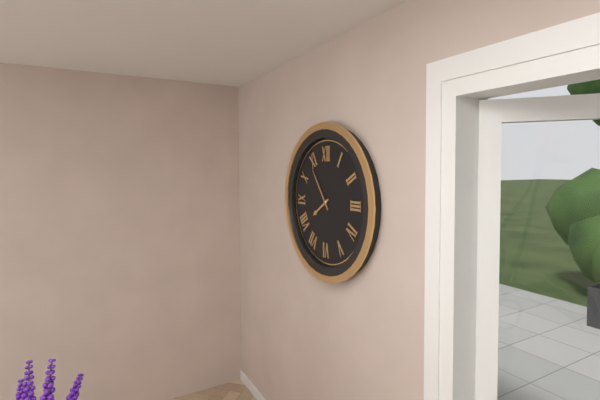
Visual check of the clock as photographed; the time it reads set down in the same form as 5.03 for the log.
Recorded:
7.54
